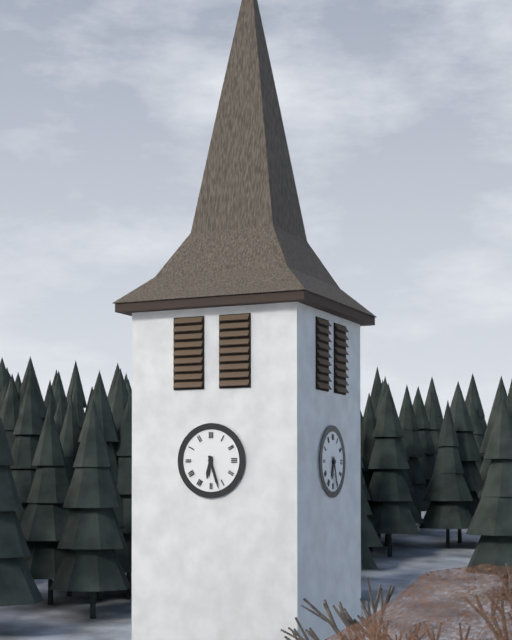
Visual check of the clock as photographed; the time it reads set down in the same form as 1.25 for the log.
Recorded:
6.27
